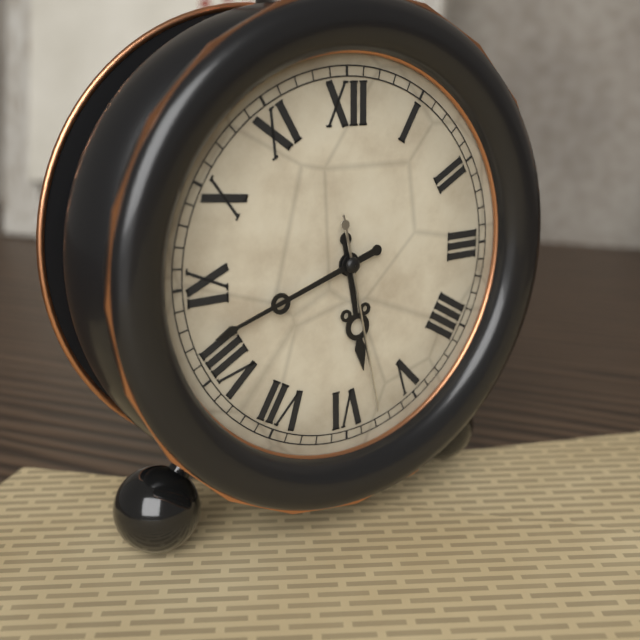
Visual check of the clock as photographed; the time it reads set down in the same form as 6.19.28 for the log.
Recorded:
5.42.28
